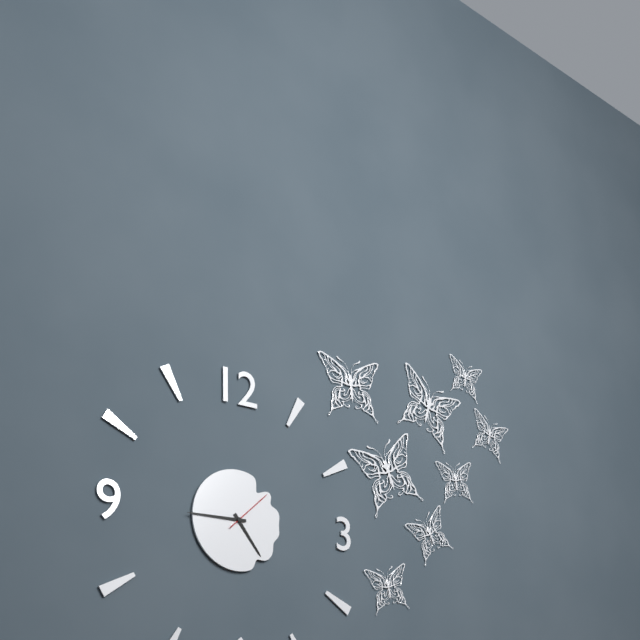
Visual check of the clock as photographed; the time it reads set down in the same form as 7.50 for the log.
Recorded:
4.45
